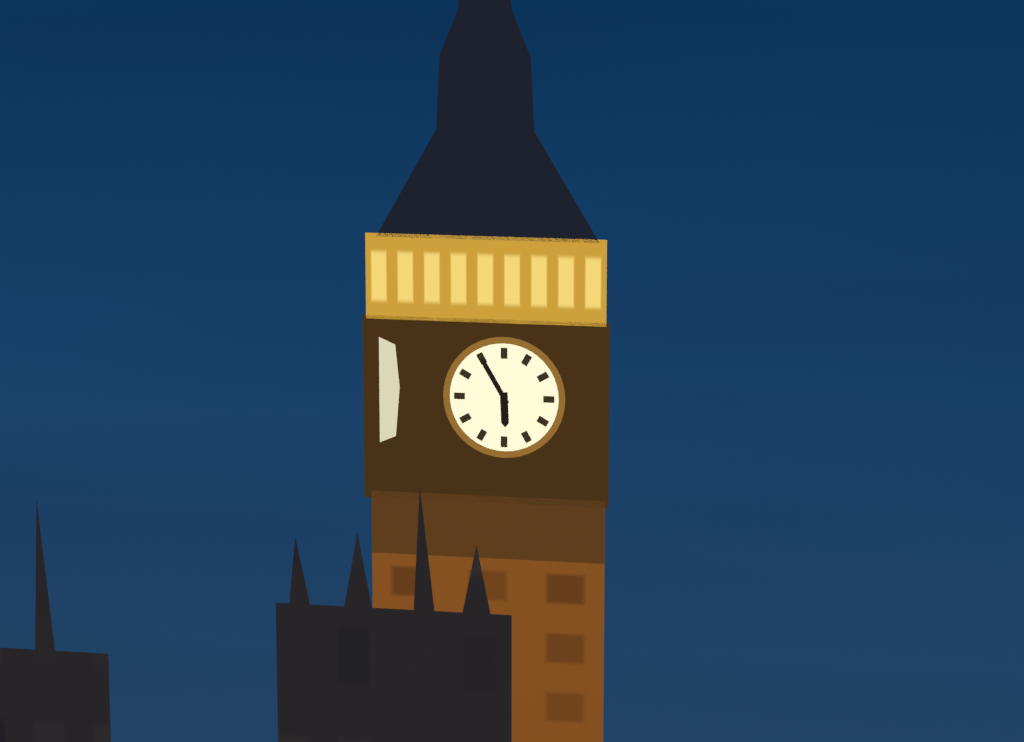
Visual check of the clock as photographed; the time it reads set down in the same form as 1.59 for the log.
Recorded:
5.55
